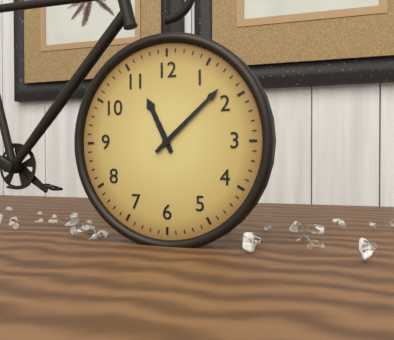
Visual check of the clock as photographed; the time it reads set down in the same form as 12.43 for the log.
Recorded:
11.08
